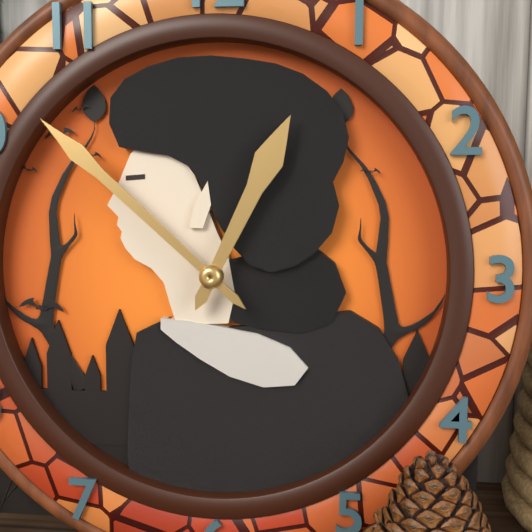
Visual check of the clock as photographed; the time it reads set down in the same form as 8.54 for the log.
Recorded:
12.52
